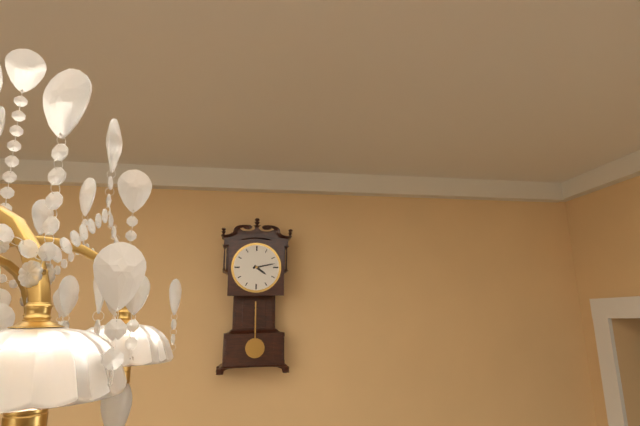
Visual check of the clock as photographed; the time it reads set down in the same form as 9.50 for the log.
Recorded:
4.13
